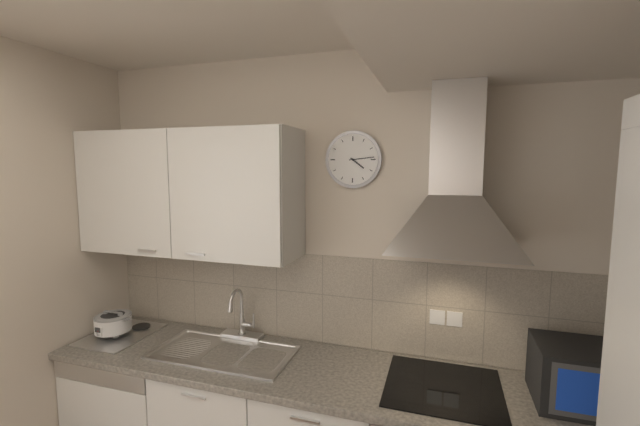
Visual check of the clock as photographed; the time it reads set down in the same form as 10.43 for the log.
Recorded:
4.14
